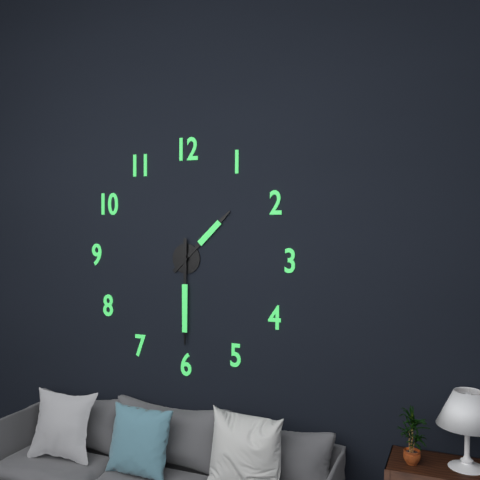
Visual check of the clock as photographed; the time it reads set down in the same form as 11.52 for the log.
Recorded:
1.30
